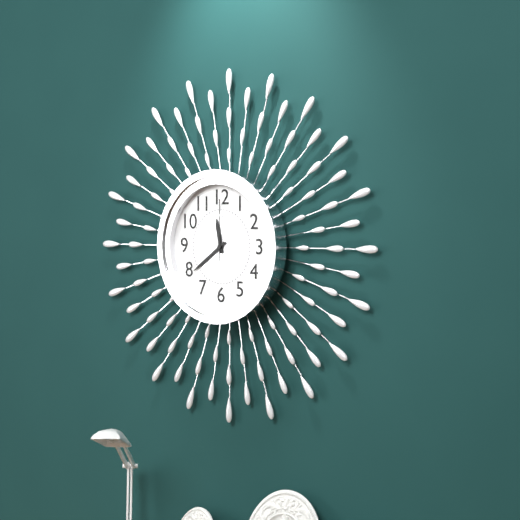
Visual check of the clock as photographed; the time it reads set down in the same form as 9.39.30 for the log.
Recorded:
11.39.00
